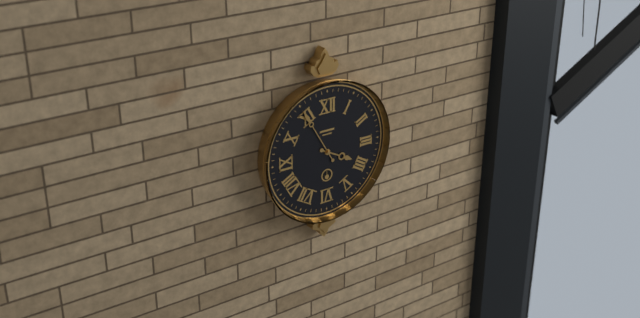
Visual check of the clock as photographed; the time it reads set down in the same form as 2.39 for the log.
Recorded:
3.55
